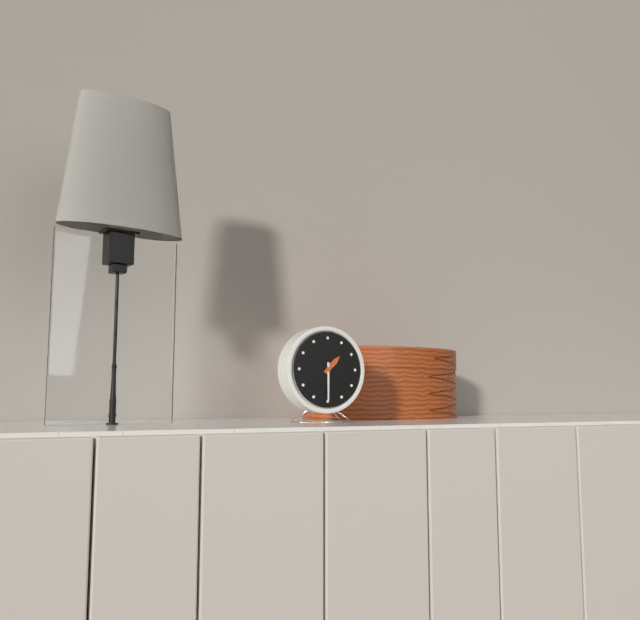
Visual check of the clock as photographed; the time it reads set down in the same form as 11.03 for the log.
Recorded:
1.30
